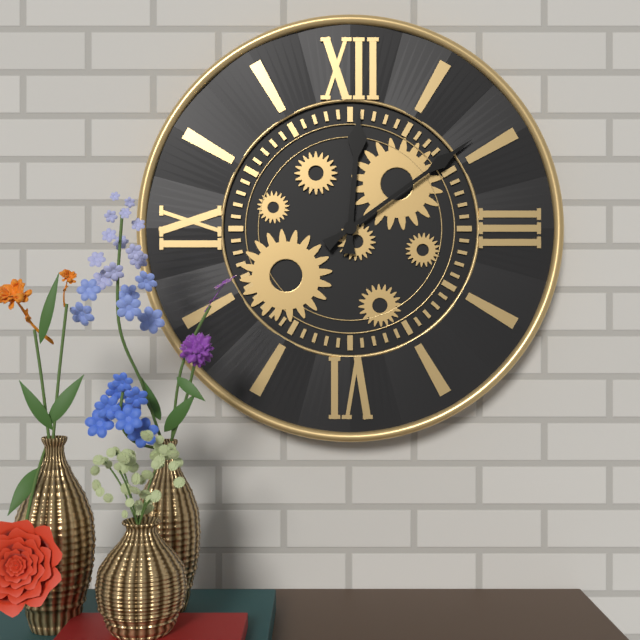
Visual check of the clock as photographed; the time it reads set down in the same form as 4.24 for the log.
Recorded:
12.09
